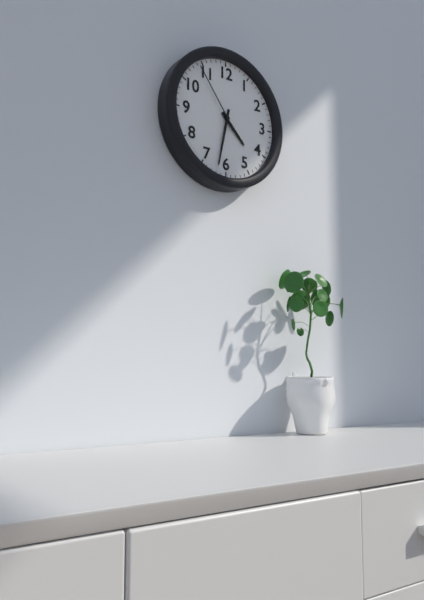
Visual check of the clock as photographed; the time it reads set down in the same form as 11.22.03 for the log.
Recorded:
4.32.54
